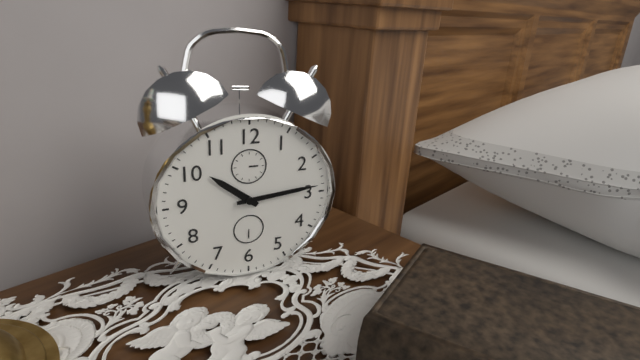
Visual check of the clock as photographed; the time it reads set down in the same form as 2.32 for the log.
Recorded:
10.14
